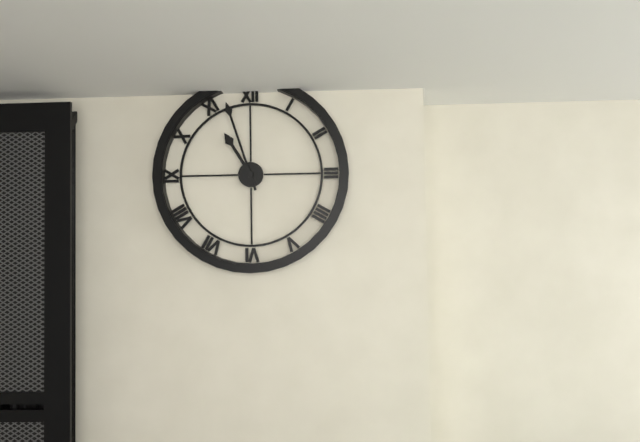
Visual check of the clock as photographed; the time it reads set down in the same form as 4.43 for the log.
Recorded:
10.57
